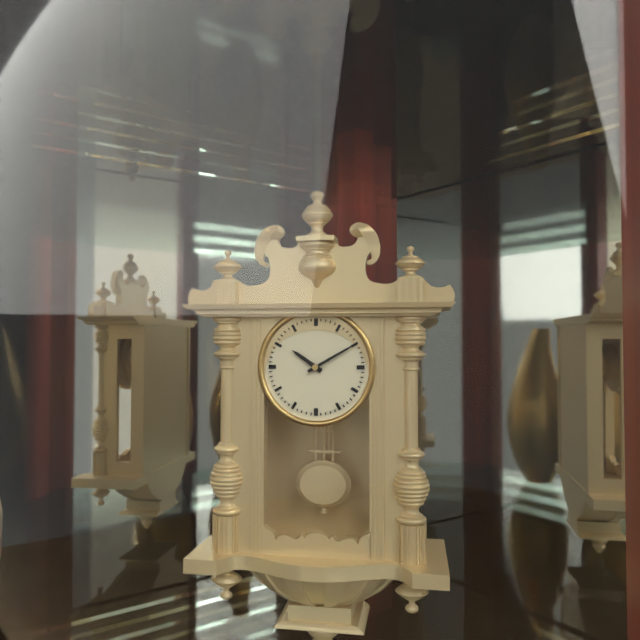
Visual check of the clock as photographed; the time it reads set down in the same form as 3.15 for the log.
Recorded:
10.10
